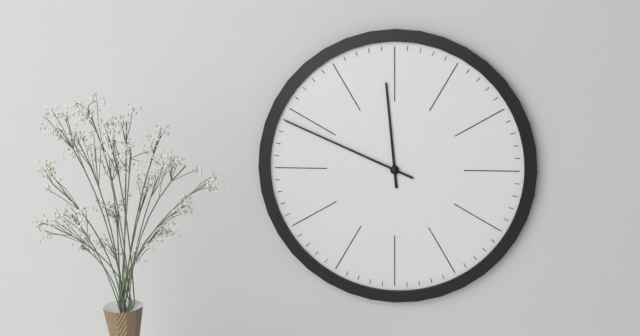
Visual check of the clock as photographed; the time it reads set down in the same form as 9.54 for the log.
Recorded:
11.49
